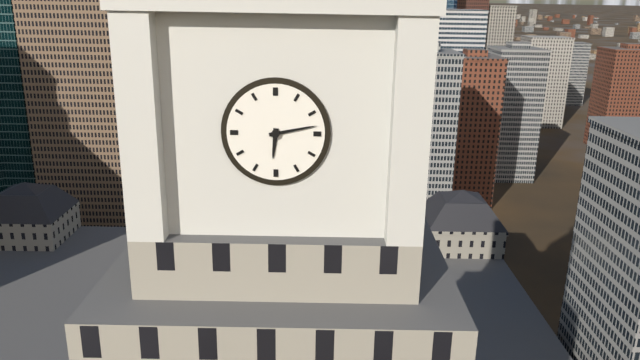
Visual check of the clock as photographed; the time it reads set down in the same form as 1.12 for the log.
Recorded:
6.13
